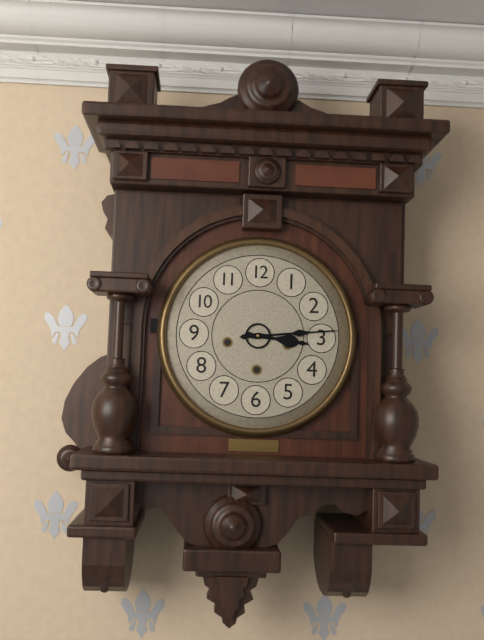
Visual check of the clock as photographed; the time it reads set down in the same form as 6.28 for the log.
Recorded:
3.14
